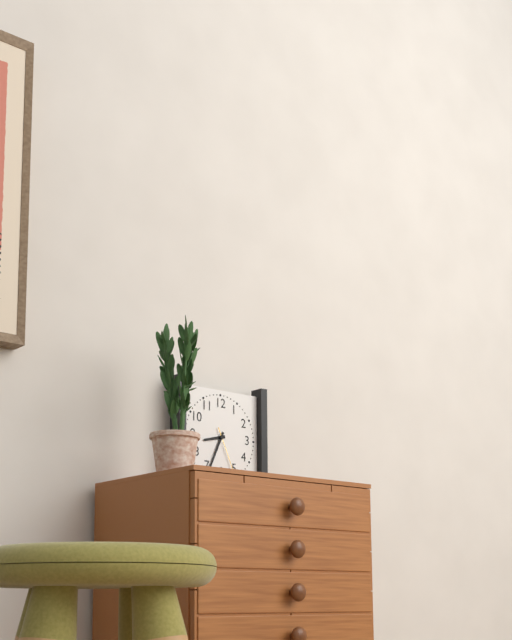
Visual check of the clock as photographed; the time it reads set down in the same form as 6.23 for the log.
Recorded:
8.34
